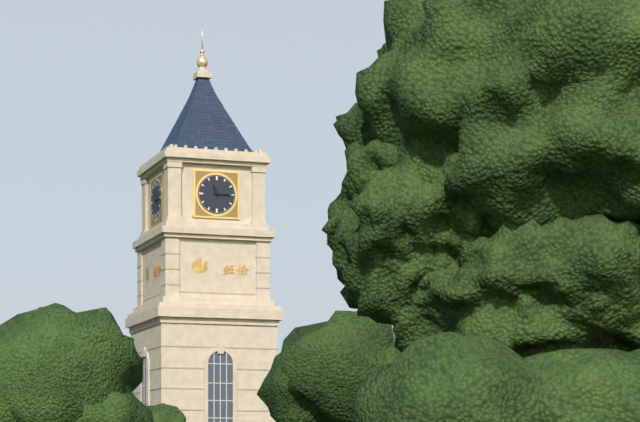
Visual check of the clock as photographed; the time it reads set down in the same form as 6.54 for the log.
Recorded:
11.15
